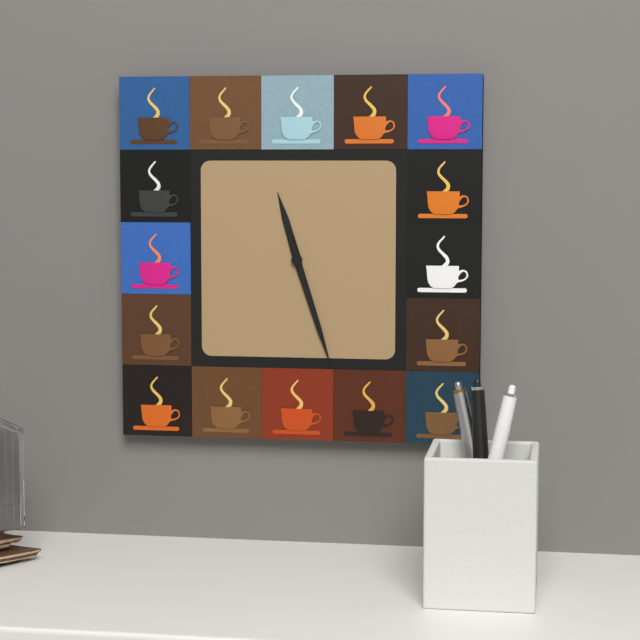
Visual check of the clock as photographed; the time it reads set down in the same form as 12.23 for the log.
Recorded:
11.27
